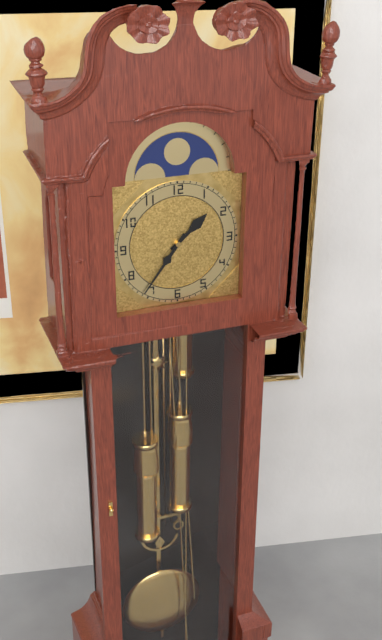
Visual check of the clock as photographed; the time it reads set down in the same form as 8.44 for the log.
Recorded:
1.36
